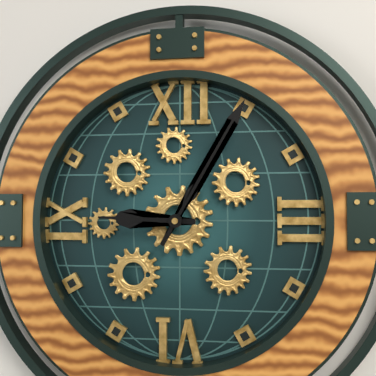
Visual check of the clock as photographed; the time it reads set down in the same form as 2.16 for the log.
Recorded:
9.05
